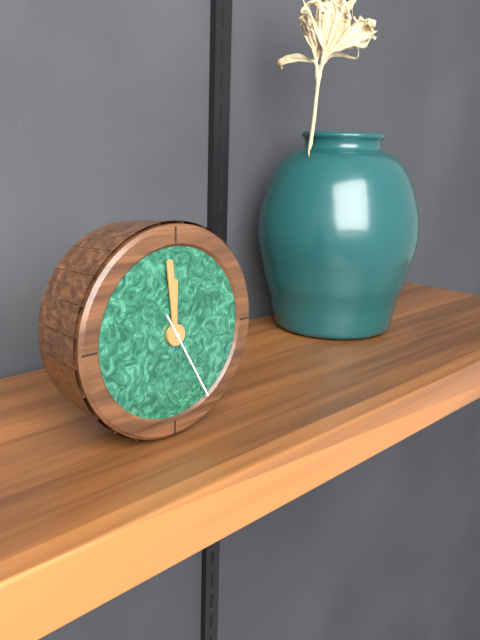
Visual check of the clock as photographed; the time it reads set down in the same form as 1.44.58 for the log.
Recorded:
11.59.25
